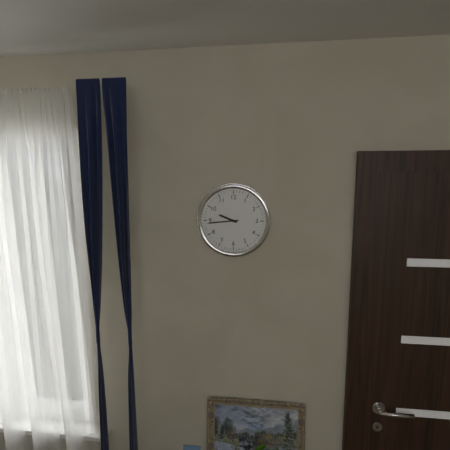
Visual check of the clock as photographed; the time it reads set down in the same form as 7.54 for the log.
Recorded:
9.44
